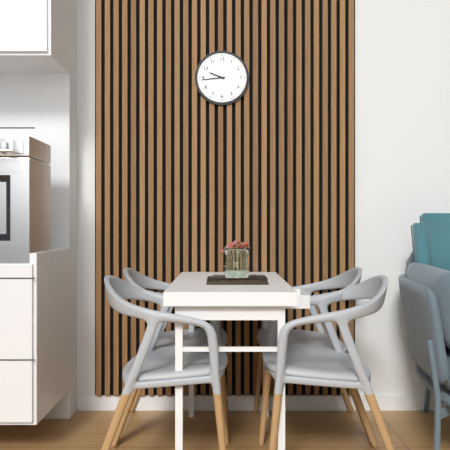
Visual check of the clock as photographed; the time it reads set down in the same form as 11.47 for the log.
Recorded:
9.44
